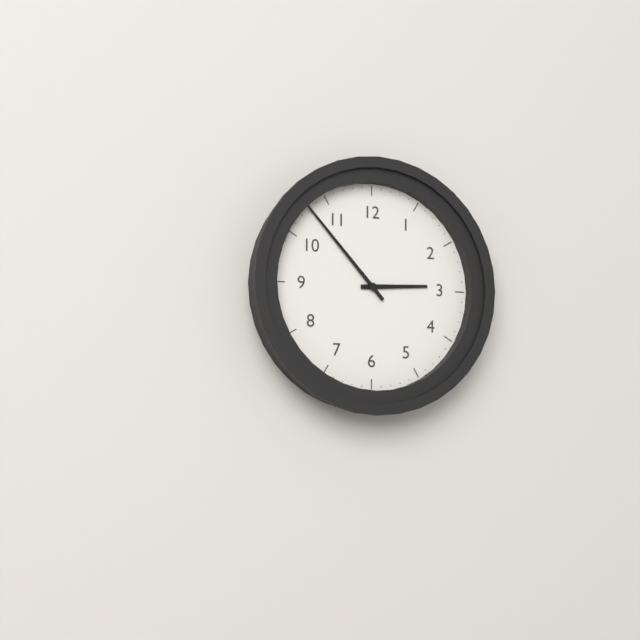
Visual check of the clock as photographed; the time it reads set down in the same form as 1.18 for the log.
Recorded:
2.53
